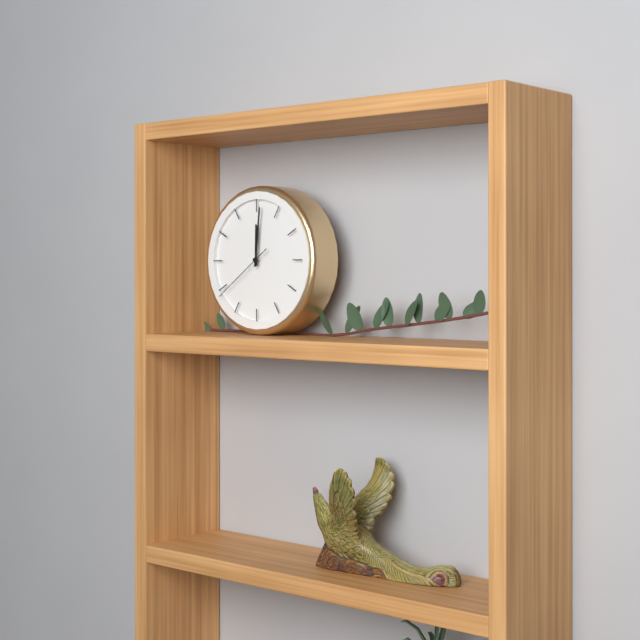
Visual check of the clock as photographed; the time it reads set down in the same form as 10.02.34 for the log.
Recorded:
12.01.39
